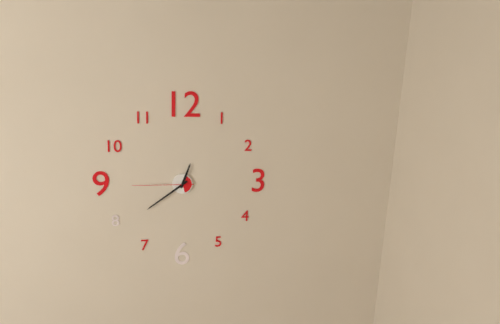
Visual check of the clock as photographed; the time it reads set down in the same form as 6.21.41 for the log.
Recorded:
12.39.45
